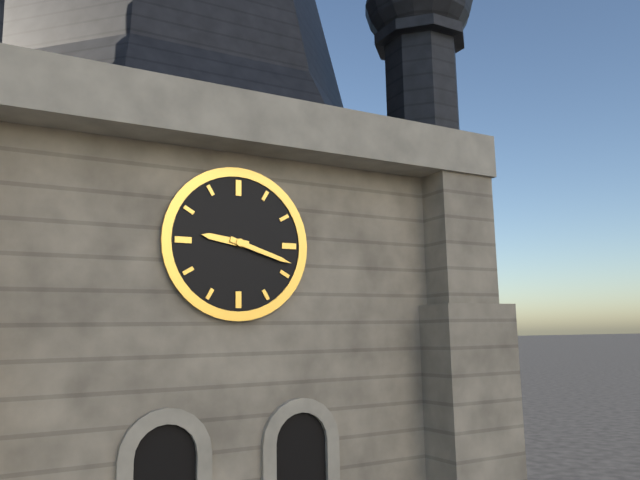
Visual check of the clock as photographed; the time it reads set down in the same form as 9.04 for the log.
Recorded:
9.18
